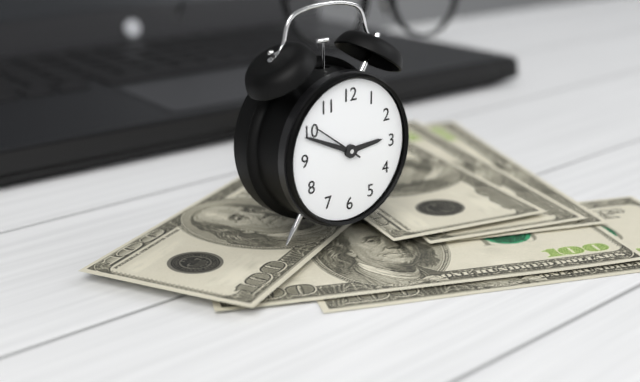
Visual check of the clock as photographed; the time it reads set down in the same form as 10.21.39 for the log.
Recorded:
2.49.51
